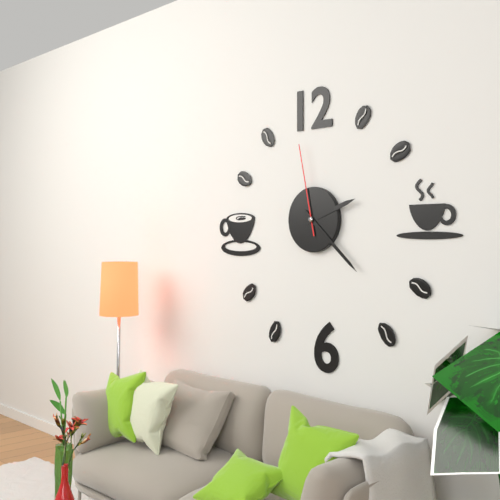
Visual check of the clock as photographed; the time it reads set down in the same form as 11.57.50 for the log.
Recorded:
2.22.58
